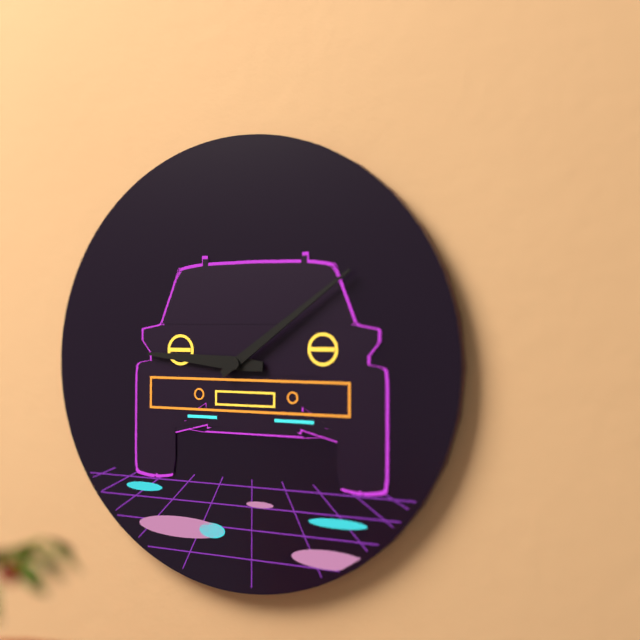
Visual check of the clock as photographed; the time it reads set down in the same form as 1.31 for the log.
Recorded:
9.09
